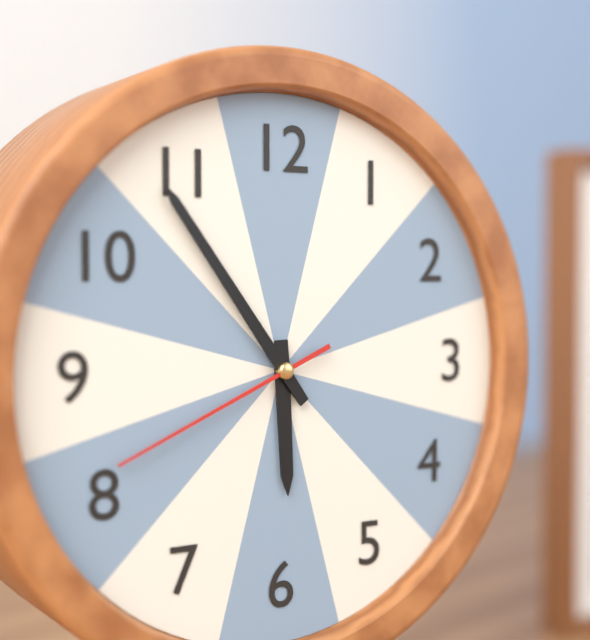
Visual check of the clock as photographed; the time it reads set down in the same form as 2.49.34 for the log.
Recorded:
5.54.41
